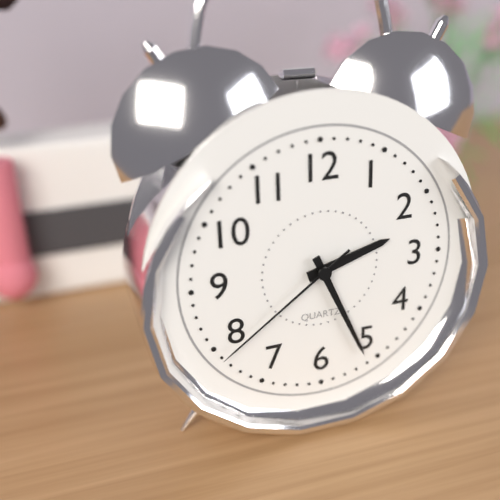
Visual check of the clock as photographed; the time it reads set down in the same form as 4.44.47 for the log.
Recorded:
2.26.39
